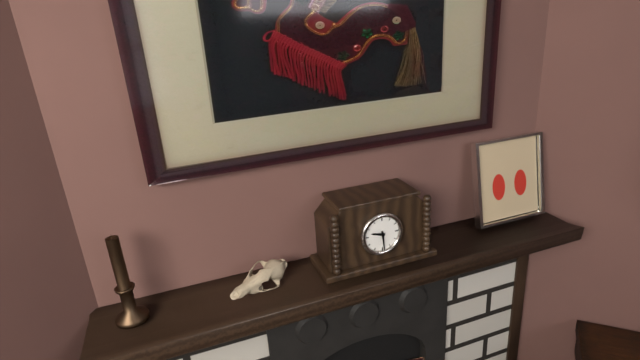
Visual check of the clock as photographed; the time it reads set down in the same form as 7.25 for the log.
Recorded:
9.29
